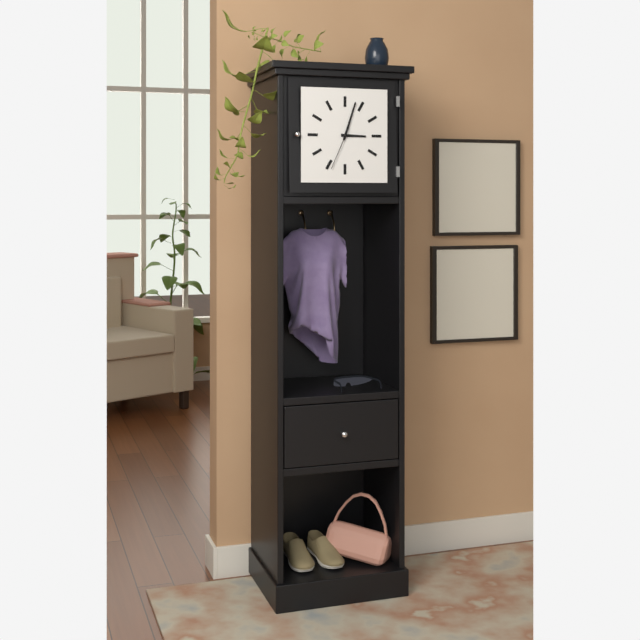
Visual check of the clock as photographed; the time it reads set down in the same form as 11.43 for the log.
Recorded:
3.03
